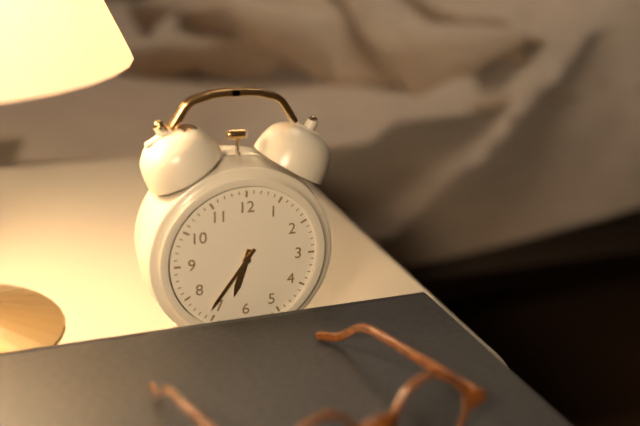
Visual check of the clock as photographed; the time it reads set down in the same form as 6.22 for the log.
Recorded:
6.36
